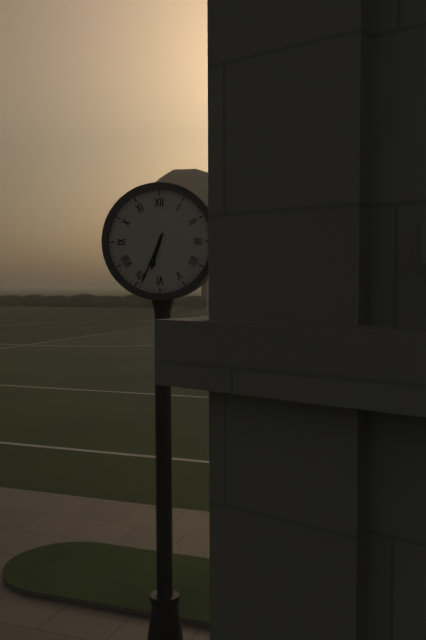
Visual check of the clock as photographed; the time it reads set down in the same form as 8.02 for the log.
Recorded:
6.34
